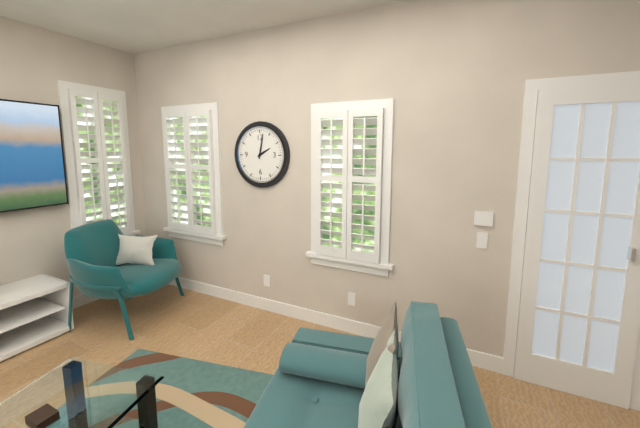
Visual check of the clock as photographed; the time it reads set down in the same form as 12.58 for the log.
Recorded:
2.02
